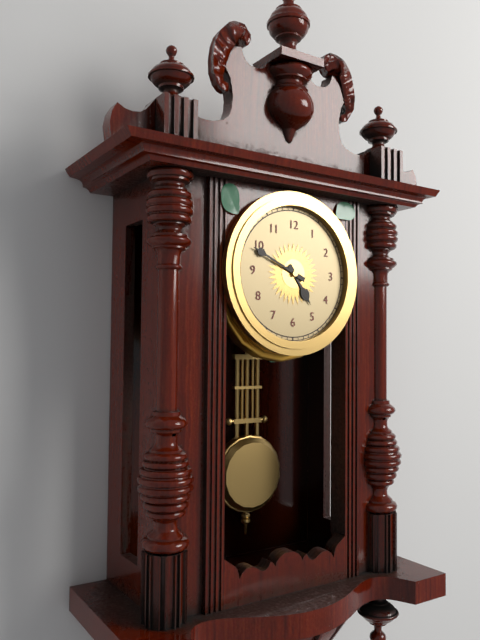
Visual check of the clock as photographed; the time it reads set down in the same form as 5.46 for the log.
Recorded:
4.49
